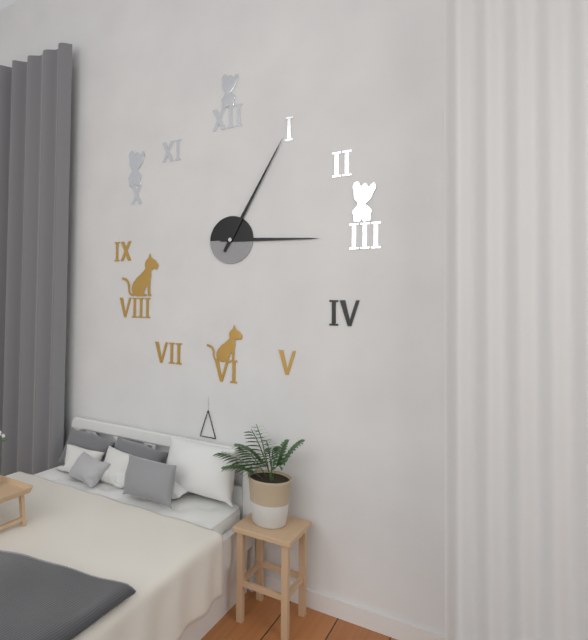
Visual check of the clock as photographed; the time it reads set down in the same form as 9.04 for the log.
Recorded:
3.05
